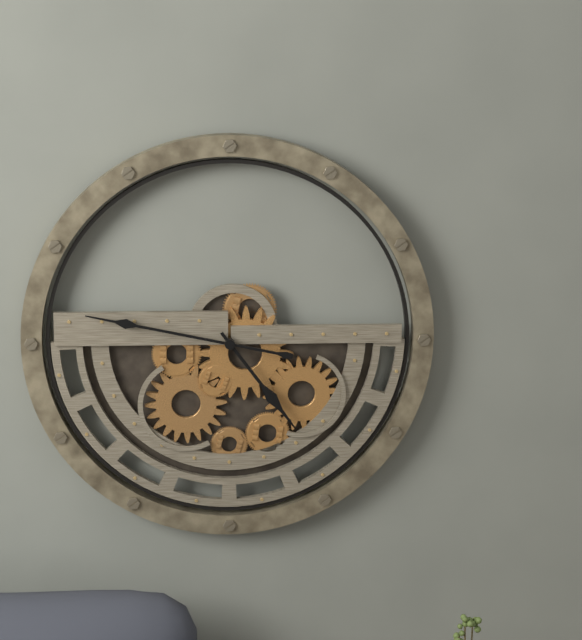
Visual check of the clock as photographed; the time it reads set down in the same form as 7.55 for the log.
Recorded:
4.47
